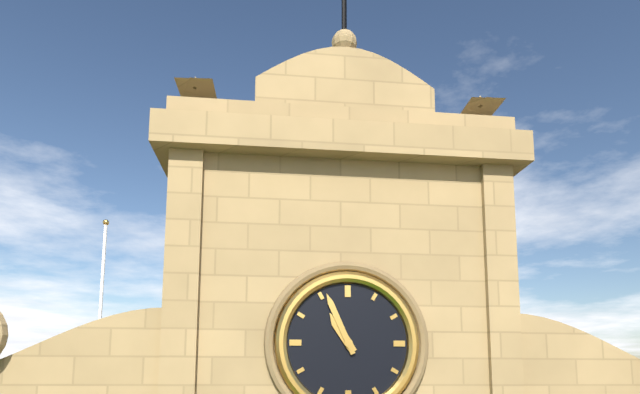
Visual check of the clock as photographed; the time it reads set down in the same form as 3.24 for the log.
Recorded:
10.56
